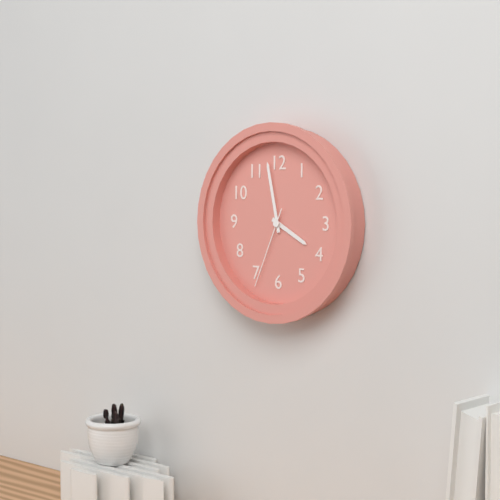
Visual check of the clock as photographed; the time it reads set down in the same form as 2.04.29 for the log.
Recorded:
3.58.34
